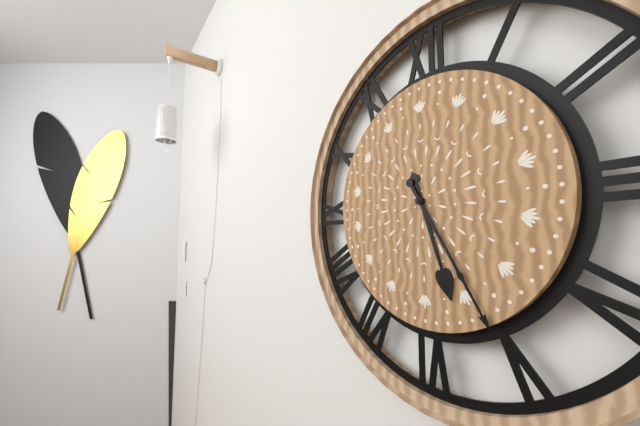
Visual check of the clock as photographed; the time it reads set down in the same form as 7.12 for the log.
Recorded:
5.25
